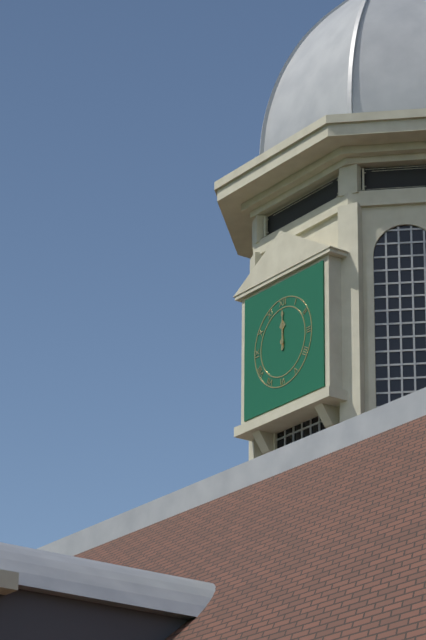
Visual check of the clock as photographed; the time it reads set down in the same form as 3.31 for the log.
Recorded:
12.00
